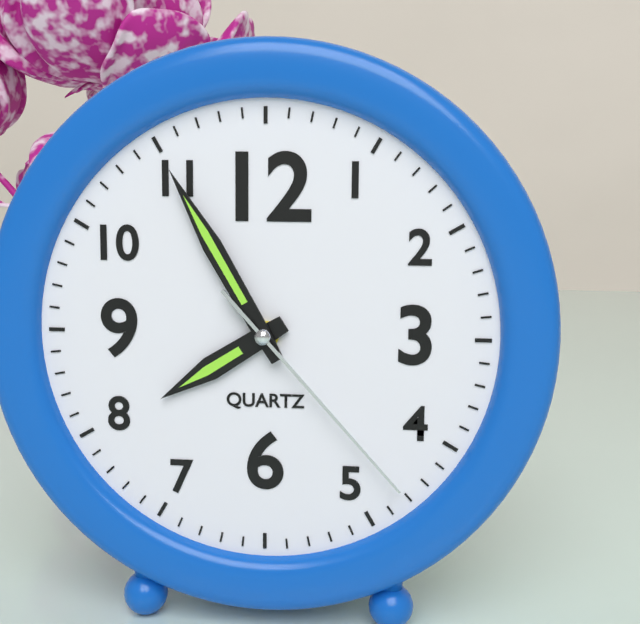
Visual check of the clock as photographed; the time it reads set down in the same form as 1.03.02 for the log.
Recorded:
7.55.23
